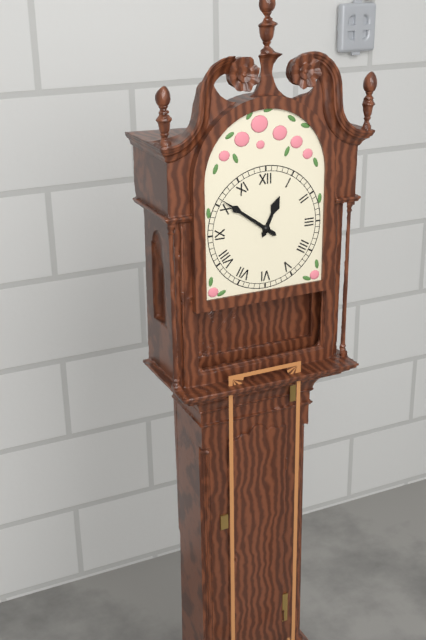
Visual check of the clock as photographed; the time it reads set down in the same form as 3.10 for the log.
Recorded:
12.51
